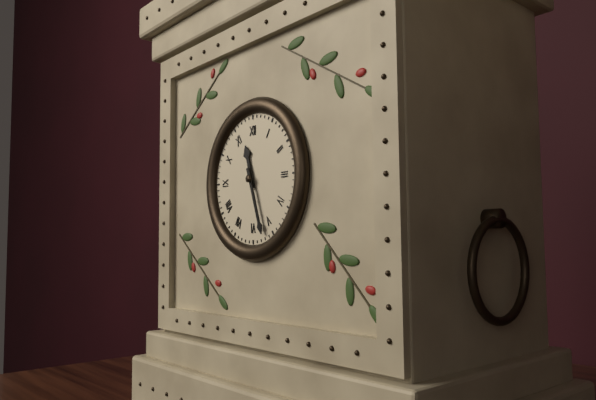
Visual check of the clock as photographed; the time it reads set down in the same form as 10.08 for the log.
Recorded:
11.27
